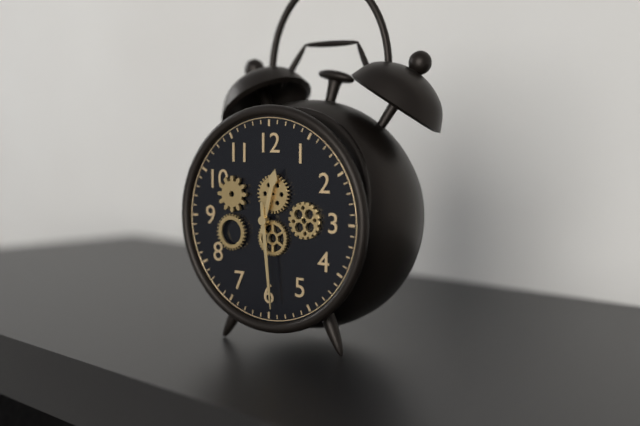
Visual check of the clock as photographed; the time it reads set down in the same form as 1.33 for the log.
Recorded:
12.29
